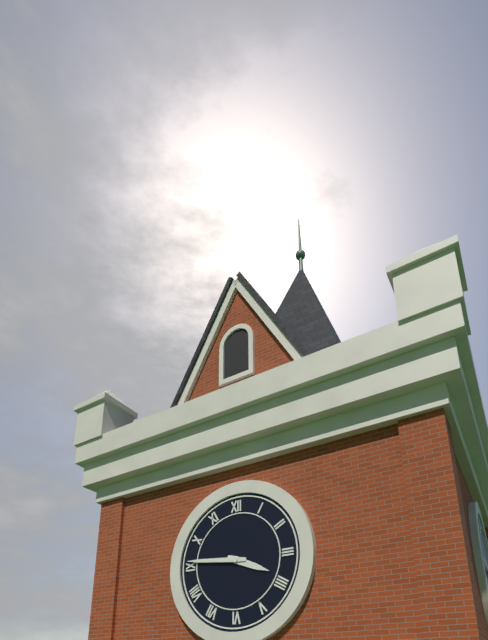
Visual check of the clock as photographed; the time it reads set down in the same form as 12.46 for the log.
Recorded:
3.46
